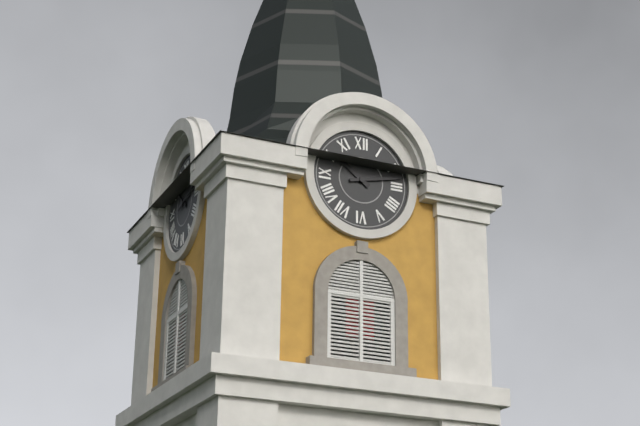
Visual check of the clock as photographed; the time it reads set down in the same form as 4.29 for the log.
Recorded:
10.13
